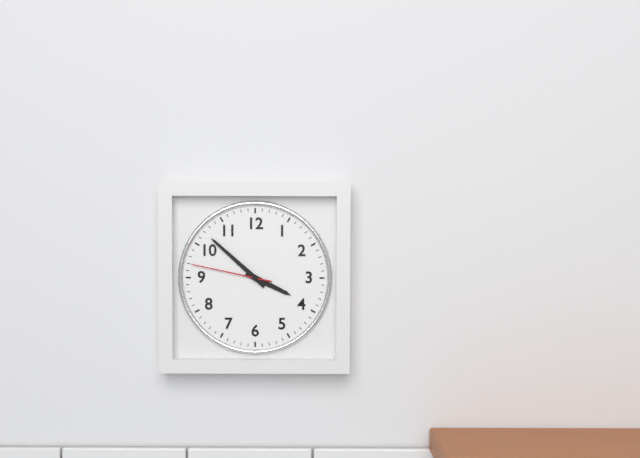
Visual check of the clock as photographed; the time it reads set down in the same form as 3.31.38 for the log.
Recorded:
3.52.47
